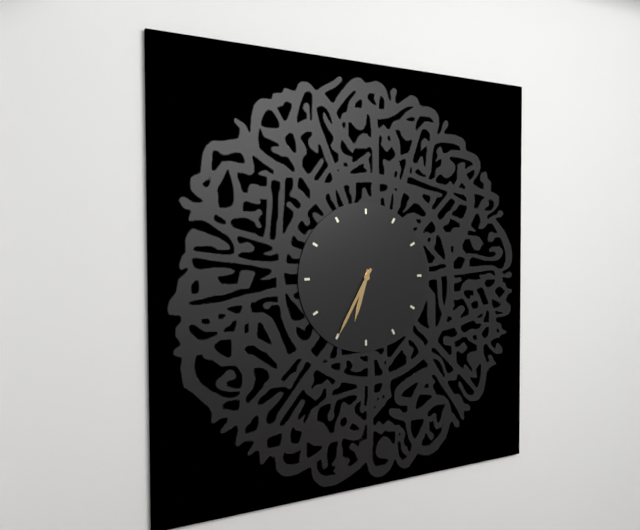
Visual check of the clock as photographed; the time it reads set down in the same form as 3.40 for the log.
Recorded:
6.35
